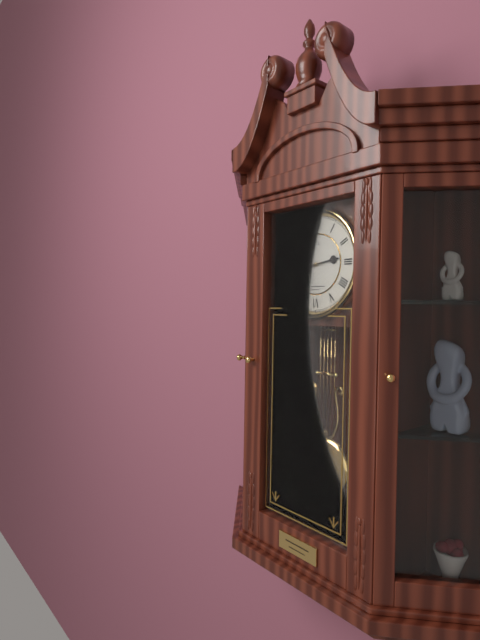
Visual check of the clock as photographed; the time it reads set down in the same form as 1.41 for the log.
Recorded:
2.44
